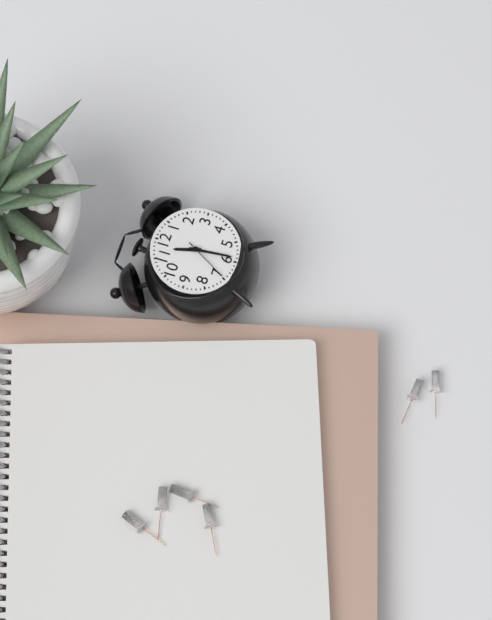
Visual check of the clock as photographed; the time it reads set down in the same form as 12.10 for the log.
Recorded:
11.29
